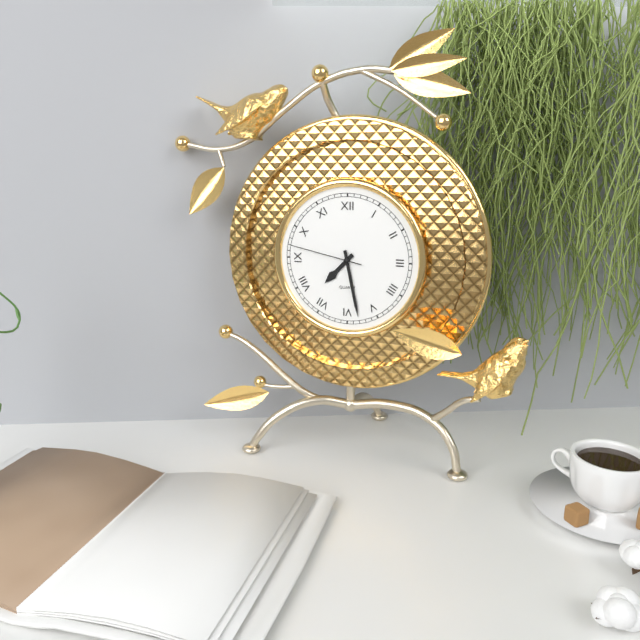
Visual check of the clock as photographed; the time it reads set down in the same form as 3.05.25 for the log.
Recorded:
7.28.47
